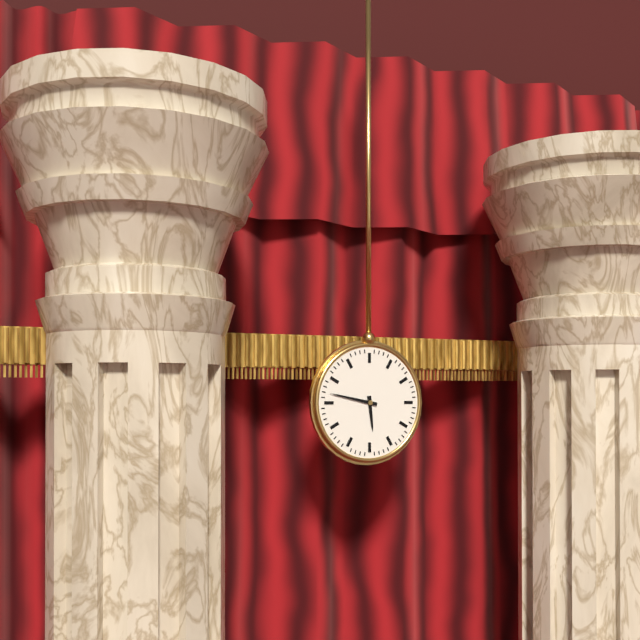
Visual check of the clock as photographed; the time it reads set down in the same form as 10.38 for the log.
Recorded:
5.47
